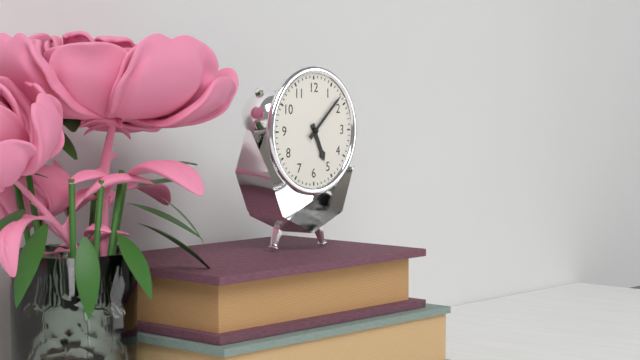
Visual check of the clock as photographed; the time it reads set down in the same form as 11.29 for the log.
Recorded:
5.08
